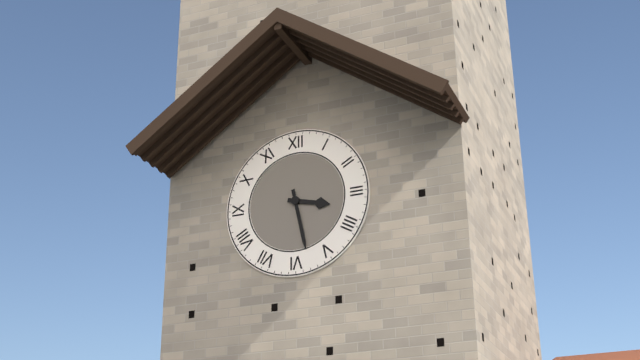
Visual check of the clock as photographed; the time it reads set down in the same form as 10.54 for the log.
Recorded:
3.28
